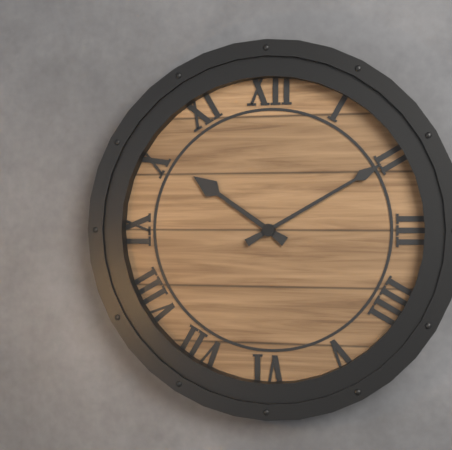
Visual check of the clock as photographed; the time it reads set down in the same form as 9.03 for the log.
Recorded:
10.10
